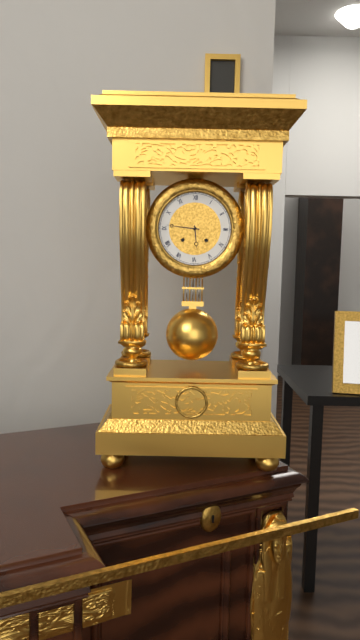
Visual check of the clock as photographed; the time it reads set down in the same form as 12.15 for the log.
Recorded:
5.46
